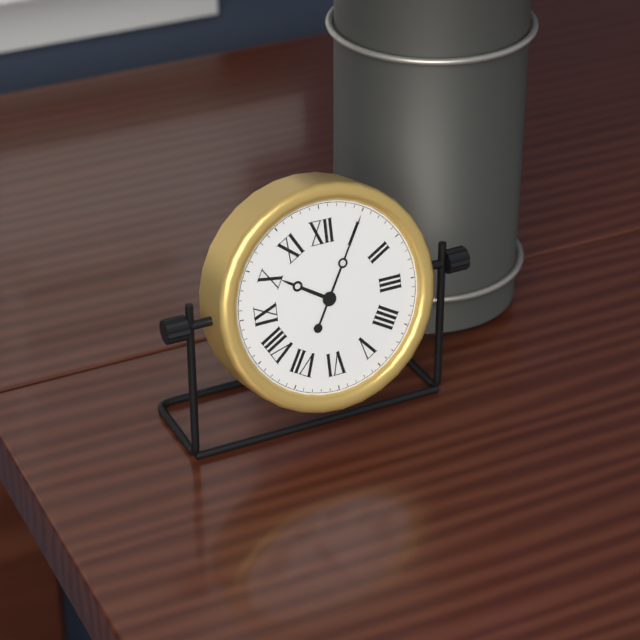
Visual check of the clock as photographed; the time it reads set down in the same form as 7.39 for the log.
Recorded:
10.05
